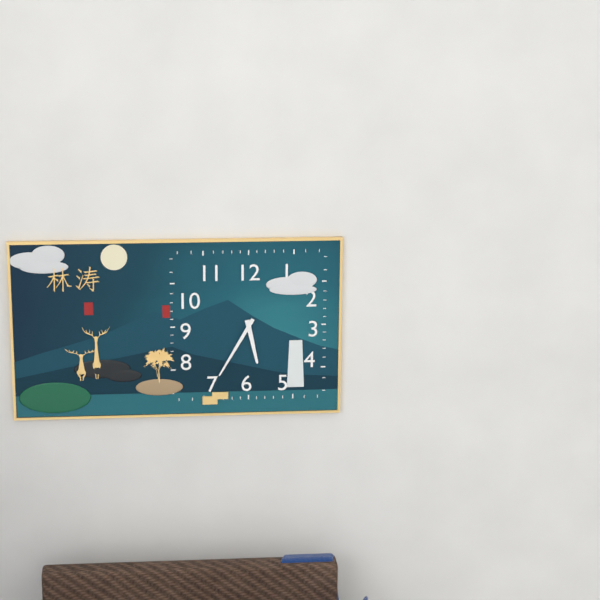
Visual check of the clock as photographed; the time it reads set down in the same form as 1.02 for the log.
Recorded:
5.35
